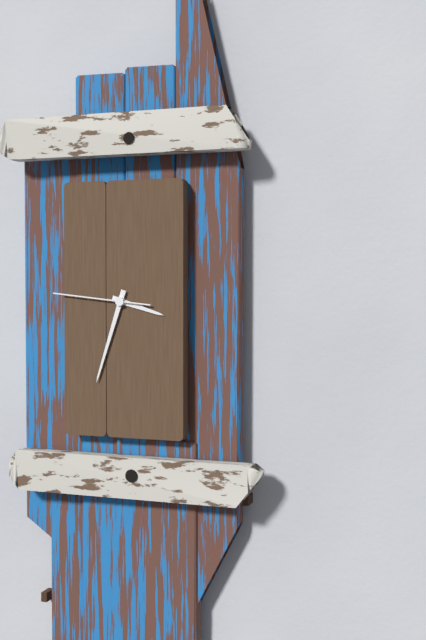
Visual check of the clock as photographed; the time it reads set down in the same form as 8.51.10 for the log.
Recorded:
3.33.46
